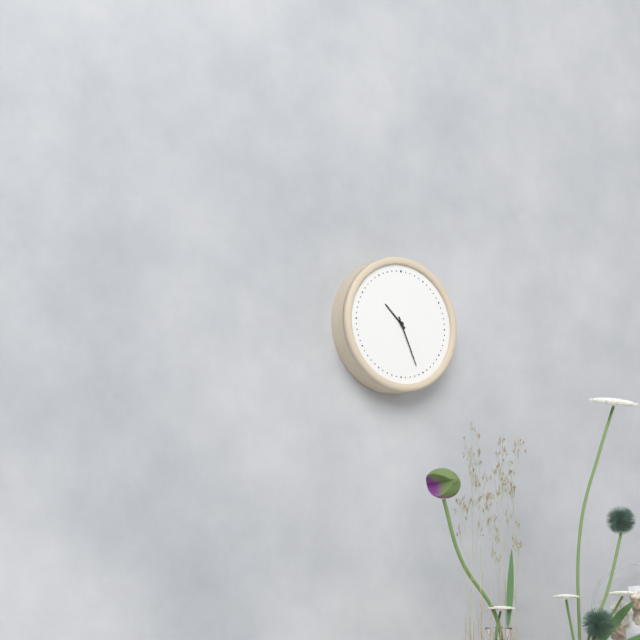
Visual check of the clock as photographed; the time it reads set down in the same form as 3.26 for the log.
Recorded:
10.26
